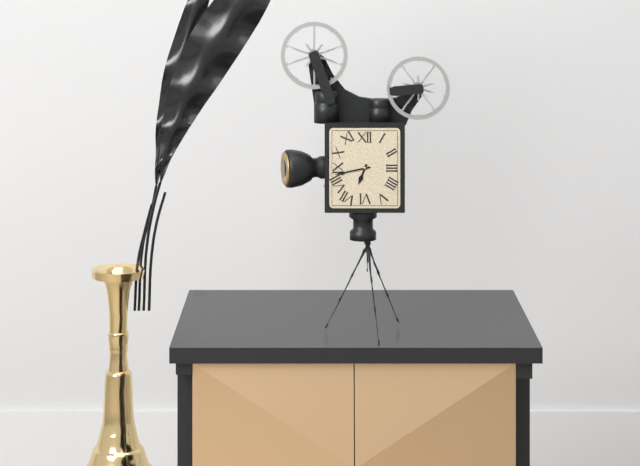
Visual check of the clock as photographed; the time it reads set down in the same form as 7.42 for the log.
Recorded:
6.43
